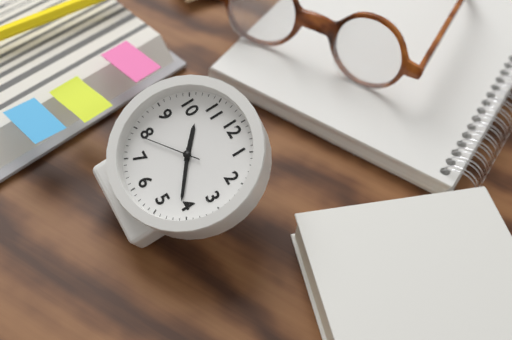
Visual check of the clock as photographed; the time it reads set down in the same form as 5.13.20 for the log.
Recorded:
10.21.39
